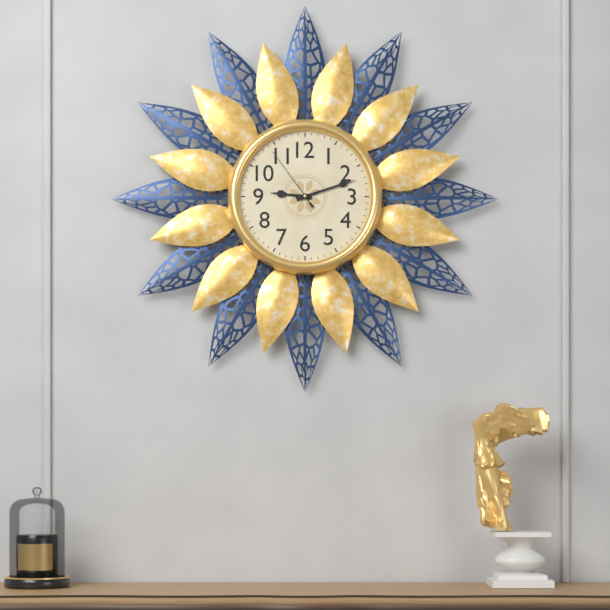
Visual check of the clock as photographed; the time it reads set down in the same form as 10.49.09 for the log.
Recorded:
9.12.54
